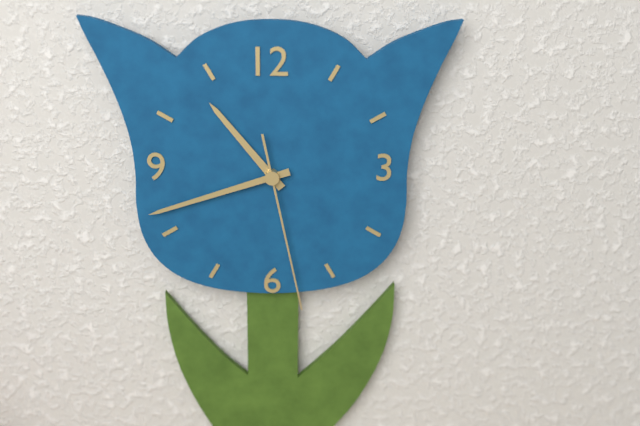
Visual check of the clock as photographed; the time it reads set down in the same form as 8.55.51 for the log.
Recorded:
10.42.28
